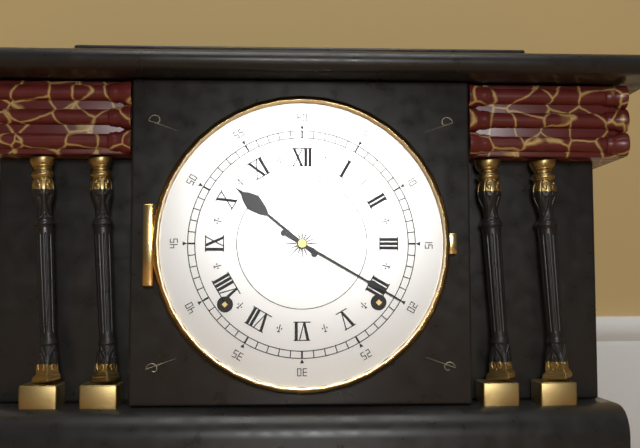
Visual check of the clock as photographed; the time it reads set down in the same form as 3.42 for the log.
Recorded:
10.20
